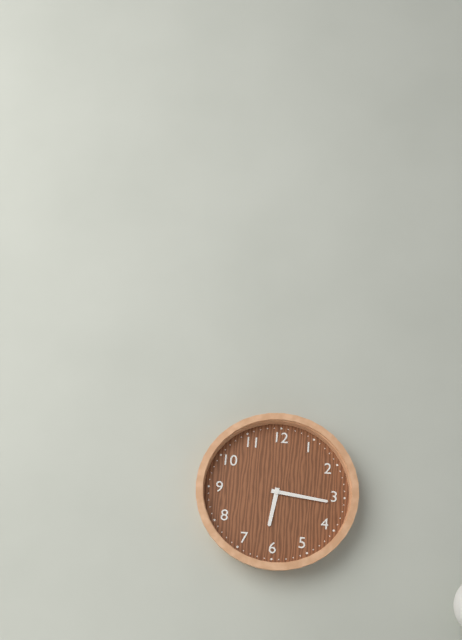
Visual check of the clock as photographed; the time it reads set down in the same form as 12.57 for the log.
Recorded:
6.16
